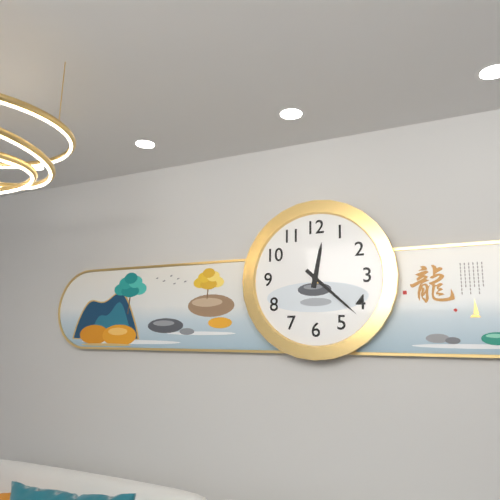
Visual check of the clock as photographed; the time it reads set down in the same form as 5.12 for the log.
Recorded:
12.22
